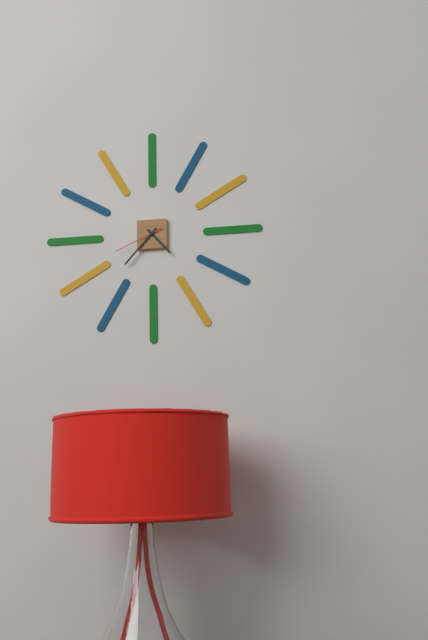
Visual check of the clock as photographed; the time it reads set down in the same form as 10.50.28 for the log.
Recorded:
4.37.41
